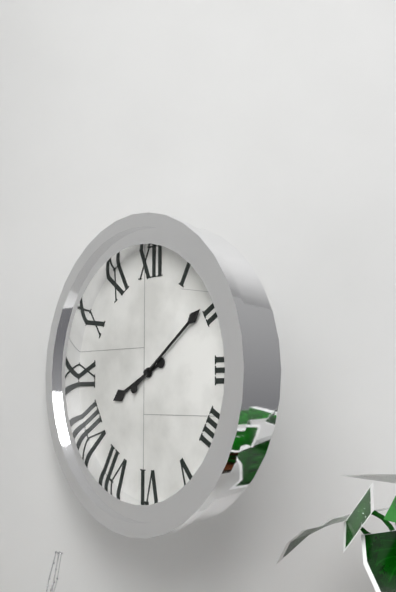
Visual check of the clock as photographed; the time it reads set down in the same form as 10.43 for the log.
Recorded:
8.09
